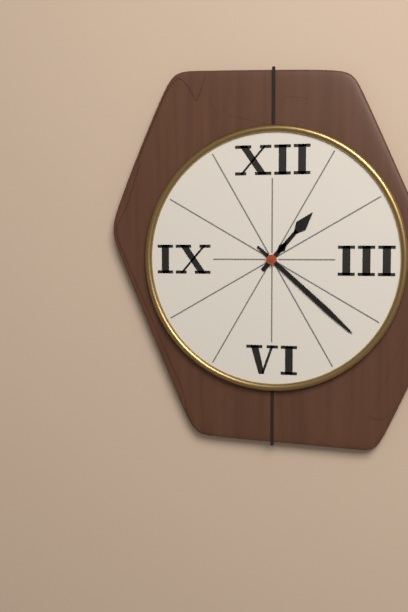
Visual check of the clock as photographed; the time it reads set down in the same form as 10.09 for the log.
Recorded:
1.22
